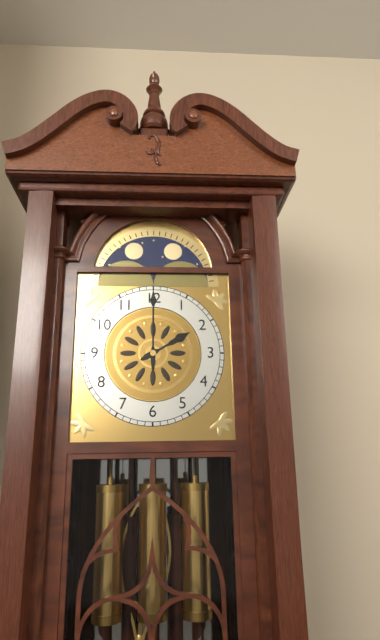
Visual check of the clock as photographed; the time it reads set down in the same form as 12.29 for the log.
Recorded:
2.00
